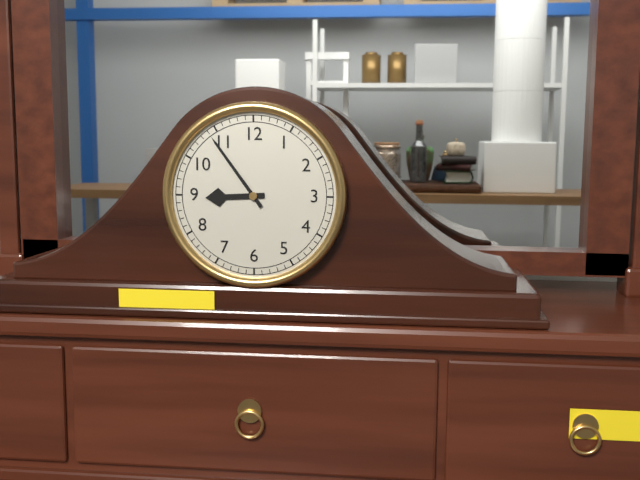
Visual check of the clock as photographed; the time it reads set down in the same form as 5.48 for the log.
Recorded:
8.54
